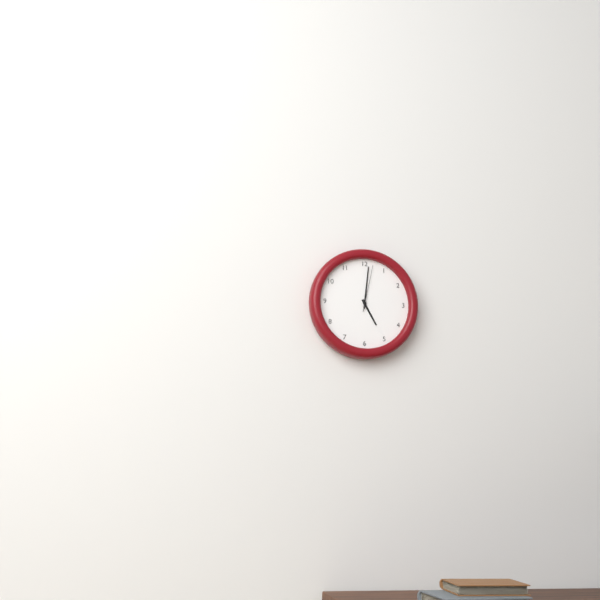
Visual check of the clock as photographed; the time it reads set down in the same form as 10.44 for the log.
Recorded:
5.01
